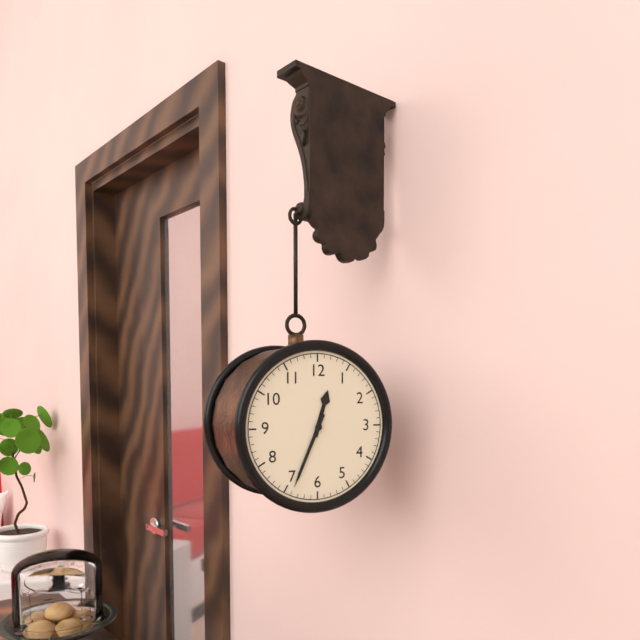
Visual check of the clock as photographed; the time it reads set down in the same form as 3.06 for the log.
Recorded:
12.34
